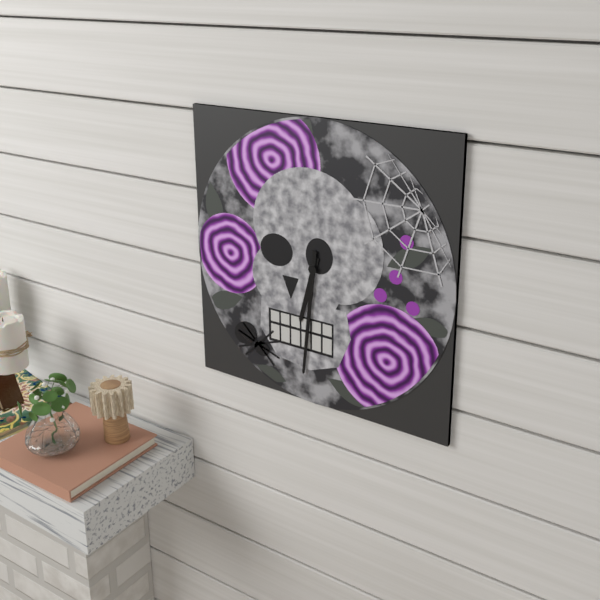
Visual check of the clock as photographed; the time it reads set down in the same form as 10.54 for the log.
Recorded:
6.31
